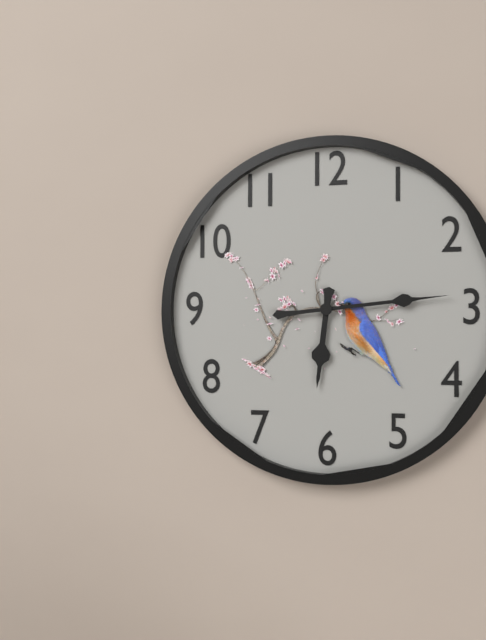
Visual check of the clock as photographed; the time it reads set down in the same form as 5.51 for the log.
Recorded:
6.14
